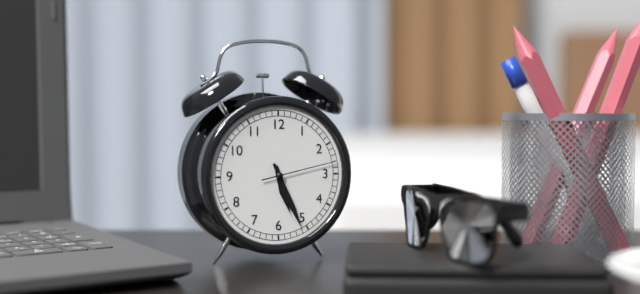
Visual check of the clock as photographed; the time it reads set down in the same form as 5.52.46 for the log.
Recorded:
5.26.13
